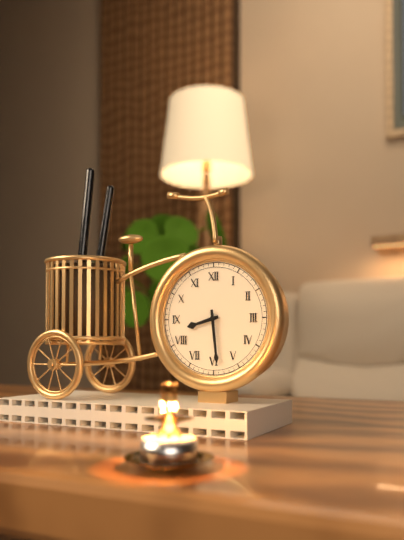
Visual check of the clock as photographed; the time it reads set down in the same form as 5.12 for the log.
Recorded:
8.29
